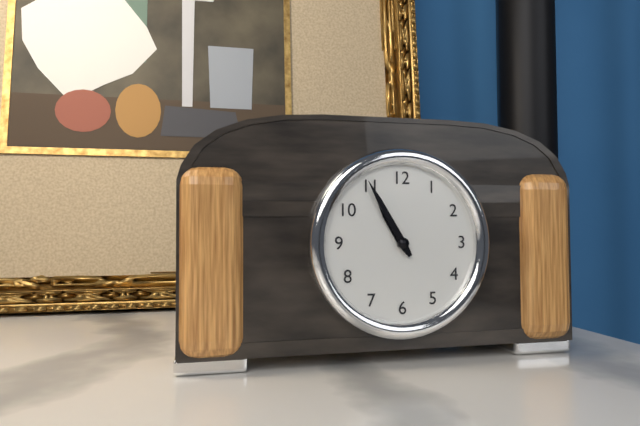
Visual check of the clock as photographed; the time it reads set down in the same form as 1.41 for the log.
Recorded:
10.55
